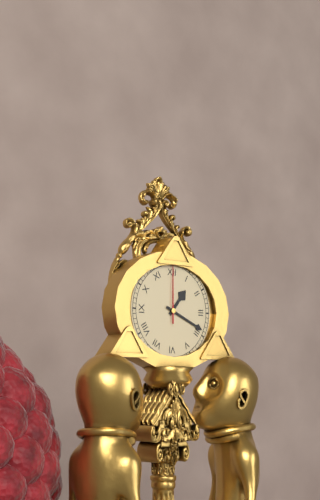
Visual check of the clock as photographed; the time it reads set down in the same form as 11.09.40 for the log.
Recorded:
1.19.00
